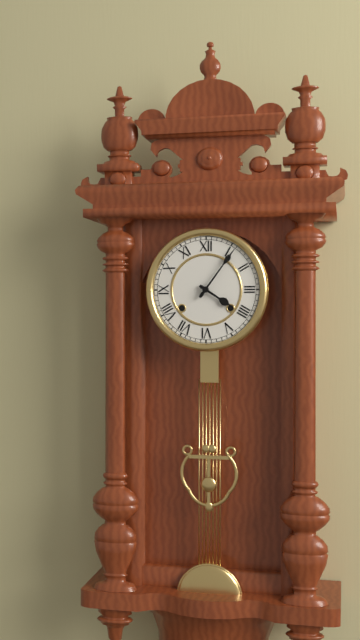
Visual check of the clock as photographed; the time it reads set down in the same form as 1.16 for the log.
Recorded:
4.06
